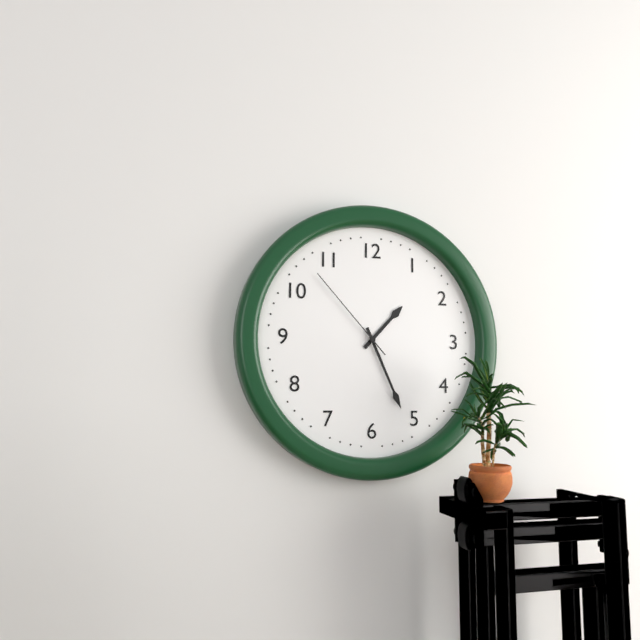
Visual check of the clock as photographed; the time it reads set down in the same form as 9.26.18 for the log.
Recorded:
1.26.53
